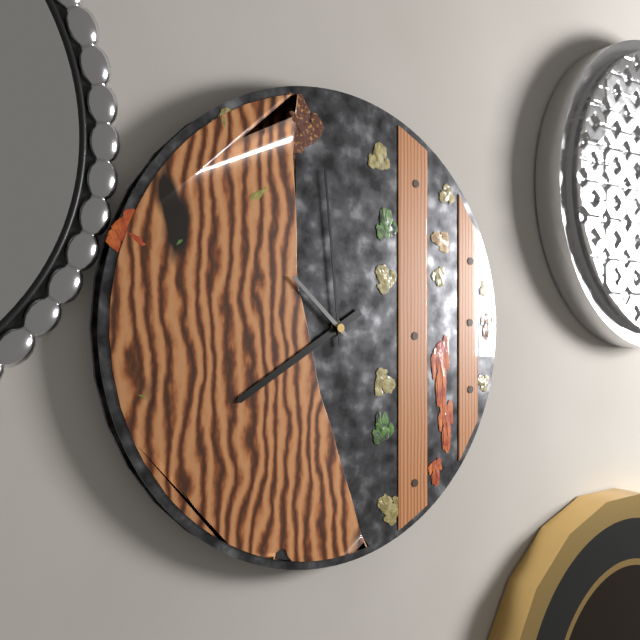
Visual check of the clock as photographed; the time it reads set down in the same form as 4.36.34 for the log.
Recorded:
7.59.52
